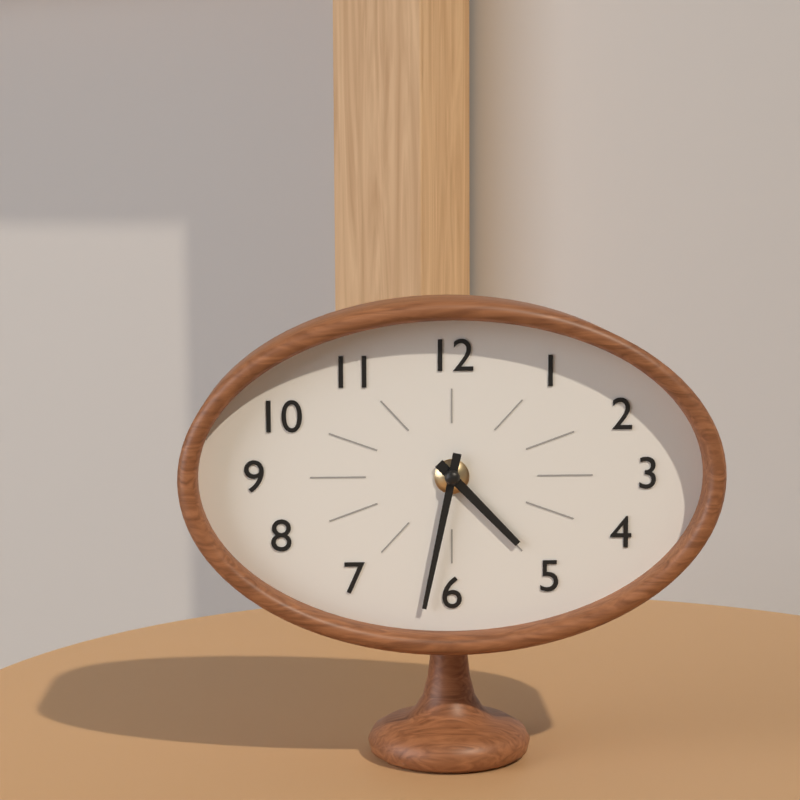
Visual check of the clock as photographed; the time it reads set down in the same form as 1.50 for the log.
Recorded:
4.32
